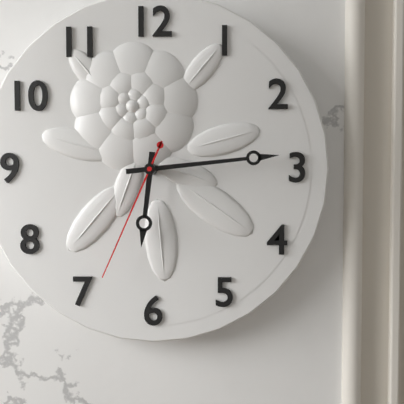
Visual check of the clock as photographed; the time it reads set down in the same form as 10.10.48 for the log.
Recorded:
6.14.34
